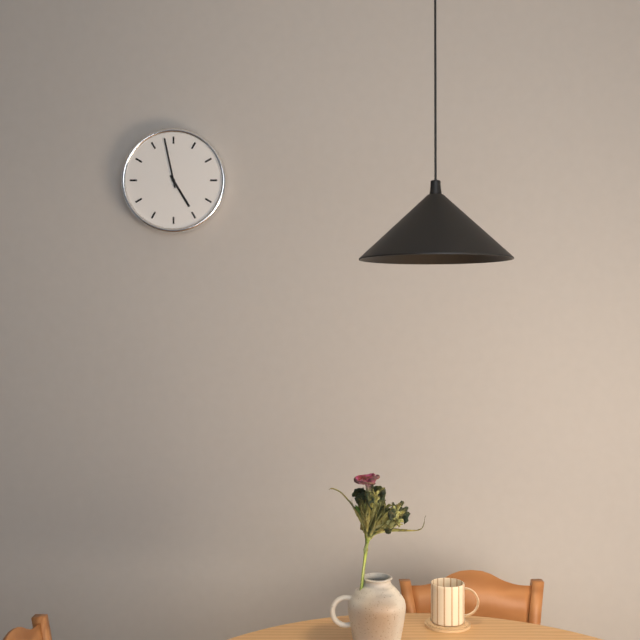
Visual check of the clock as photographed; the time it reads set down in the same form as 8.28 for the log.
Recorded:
4.58
